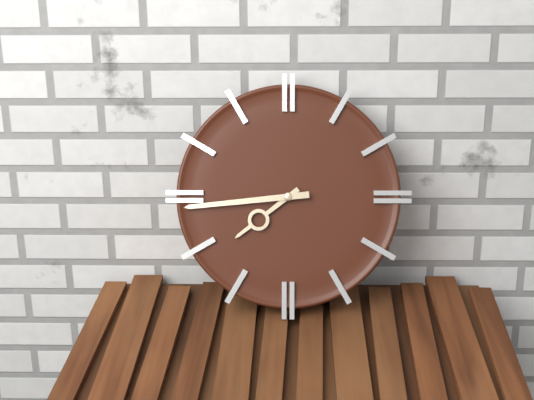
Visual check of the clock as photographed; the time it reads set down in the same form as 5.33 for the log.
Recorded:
7.44
